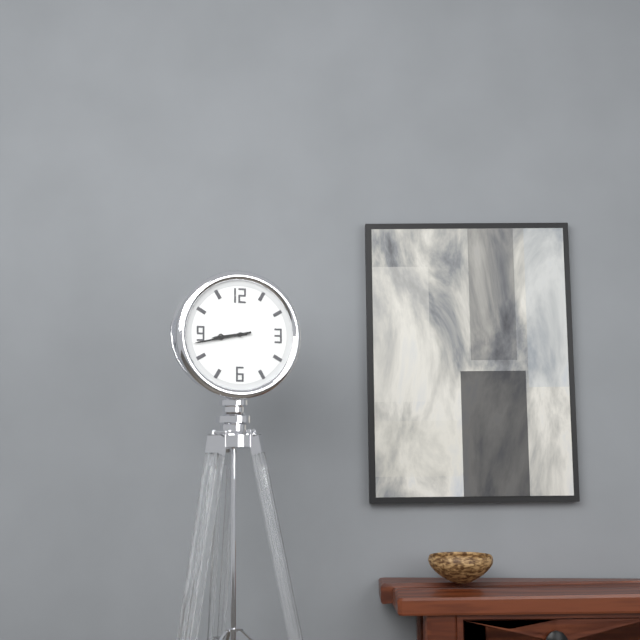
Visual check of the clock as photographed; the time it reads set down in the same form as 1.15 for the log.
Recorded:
8.43
